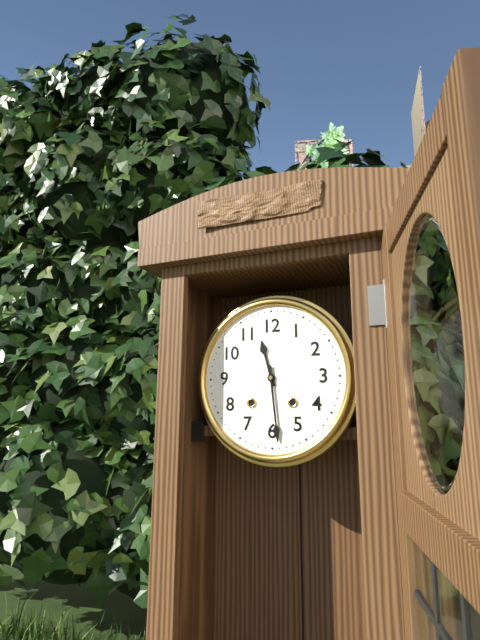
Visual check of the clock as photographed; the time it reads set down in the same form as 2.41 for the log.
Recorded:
11.29
